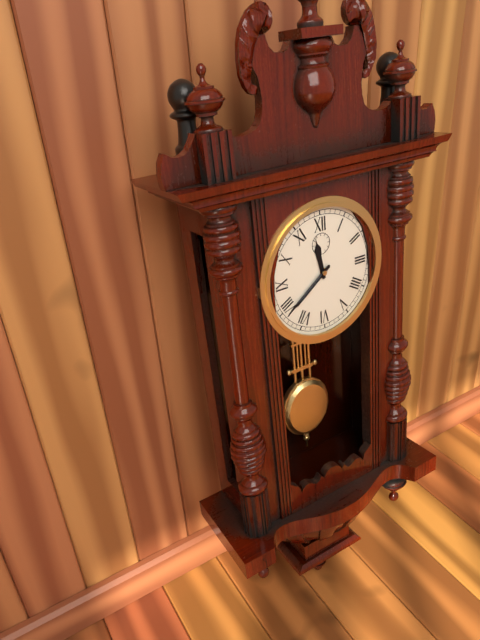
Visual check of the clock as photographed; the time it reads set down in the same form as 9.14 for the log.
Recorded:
11.39
